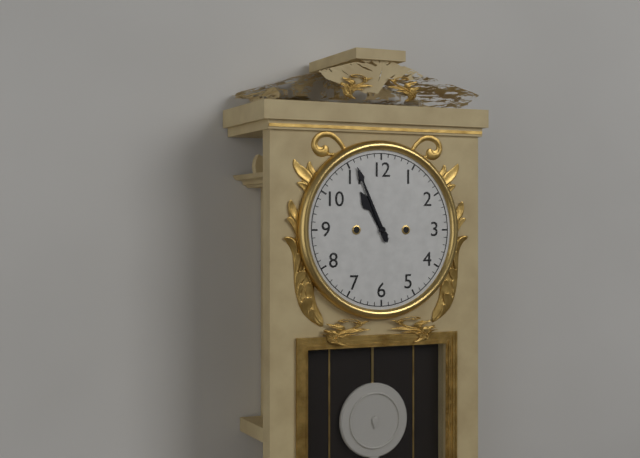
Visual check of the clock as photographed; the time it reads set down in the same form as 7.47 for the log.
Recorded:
10.56
